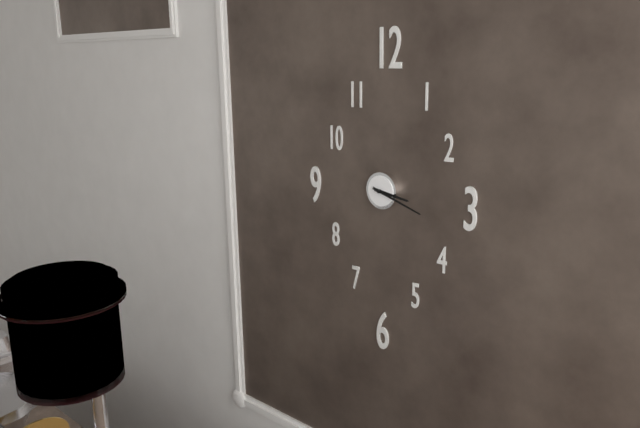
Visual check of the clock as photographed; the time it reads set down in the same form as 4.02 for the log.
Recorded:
3.18
